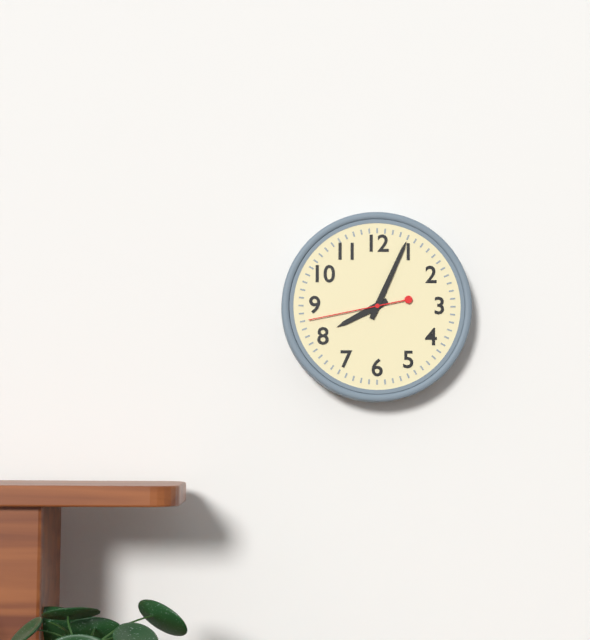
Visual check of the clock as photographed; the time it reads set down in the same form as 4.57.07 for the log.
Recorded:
8.04.43
